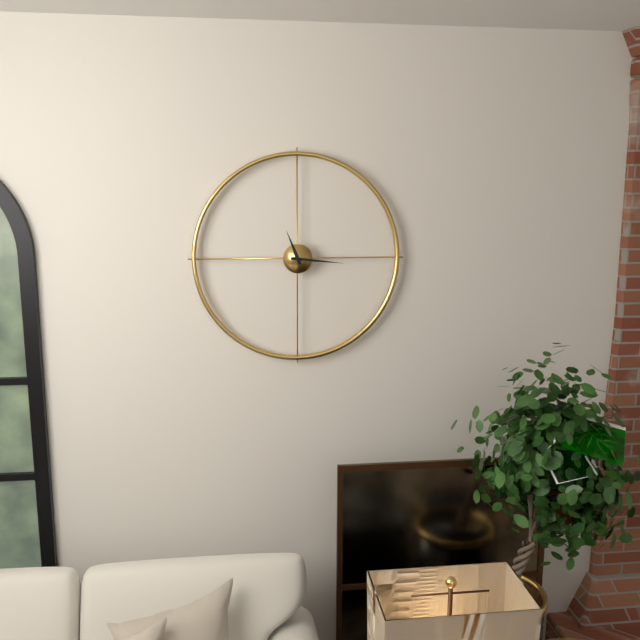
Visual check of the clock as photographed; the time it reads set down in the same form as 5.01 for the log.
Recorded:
11.16
